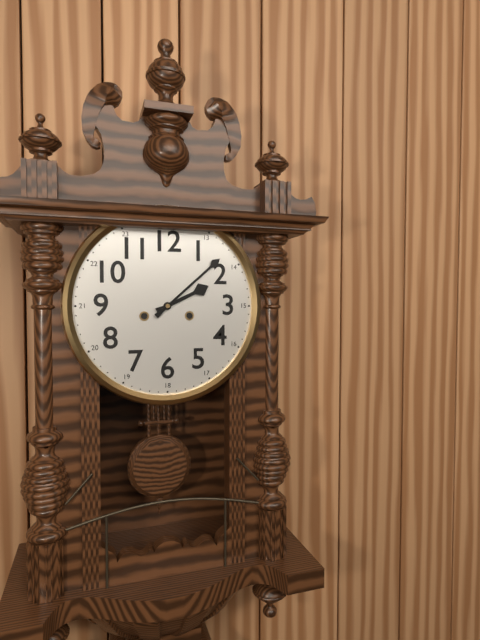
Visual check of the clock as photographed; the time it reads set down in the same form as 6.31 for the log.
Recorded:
2.08
